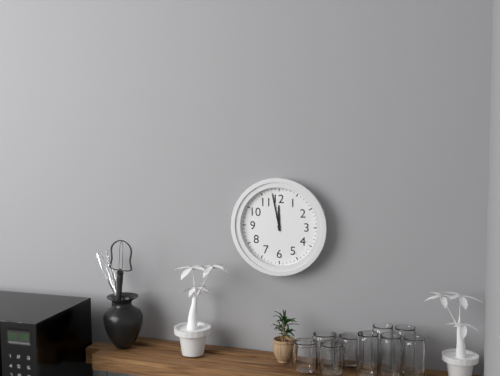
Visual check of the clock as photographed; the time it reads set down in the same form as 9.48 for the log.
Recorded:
11.58
